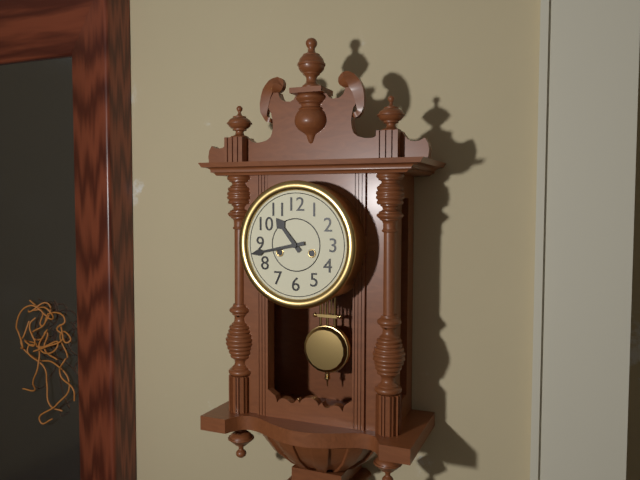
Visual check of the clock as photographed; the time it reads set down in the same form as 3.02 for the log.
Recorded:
10.43
